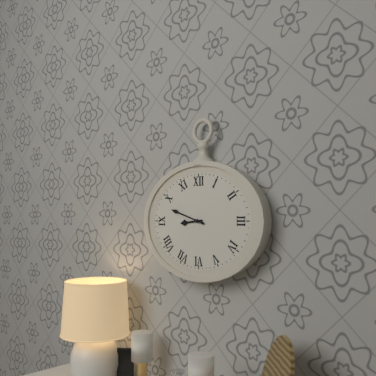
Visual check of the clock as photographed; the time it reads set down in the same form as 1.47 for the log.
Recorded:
8.48
